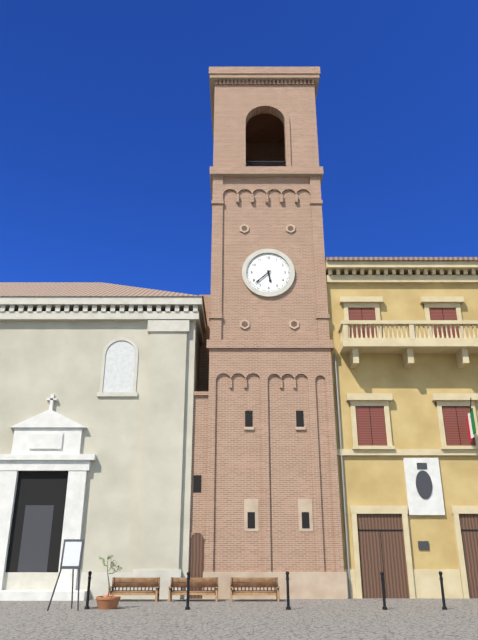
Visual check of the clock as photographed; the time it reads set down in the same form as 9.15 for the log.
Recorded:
5.38
